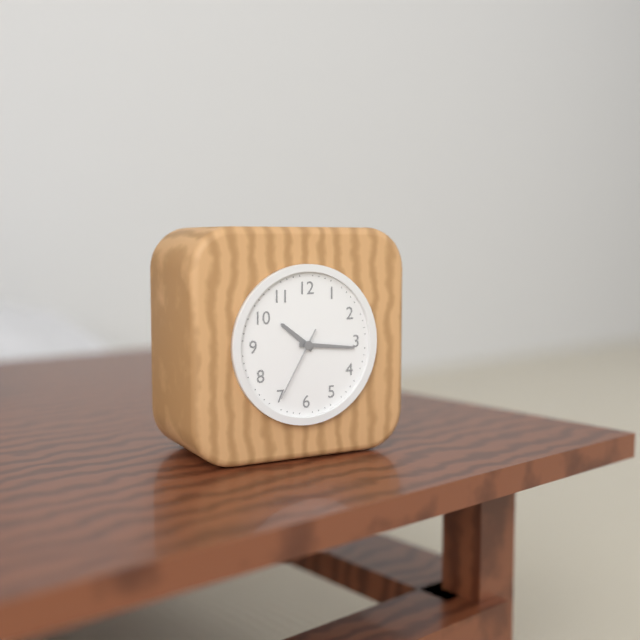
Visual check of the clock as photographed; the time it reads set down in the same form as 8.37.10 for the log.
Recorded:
10.16.35
